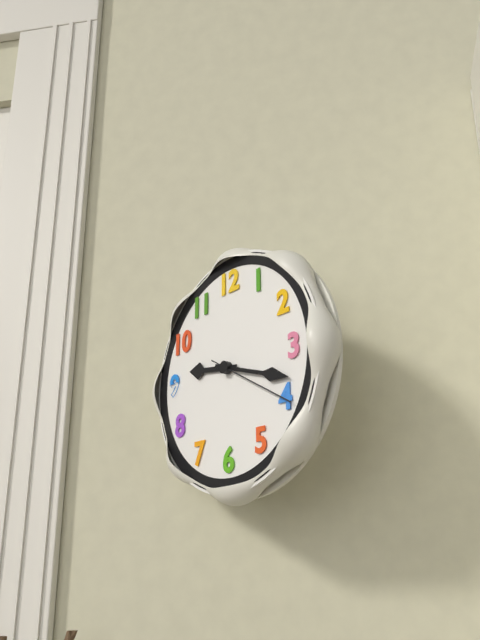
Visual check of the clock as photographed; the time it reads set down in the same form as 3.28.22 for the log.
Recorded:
9.18.20
